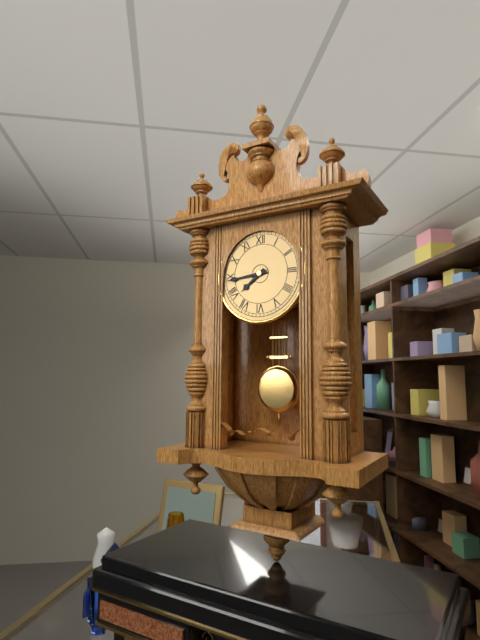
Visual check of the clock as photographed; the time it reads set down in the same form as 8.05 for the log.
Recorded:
7.44
